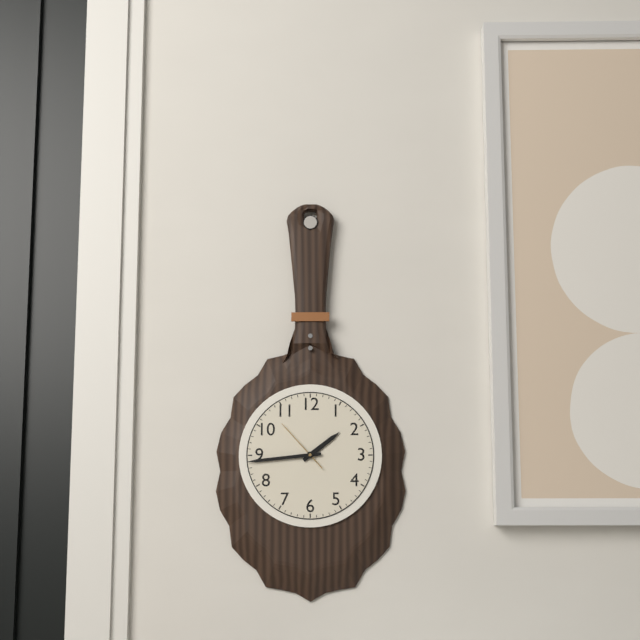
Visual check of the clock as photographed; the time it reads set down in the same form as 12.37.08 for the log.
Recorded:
1.44.53
